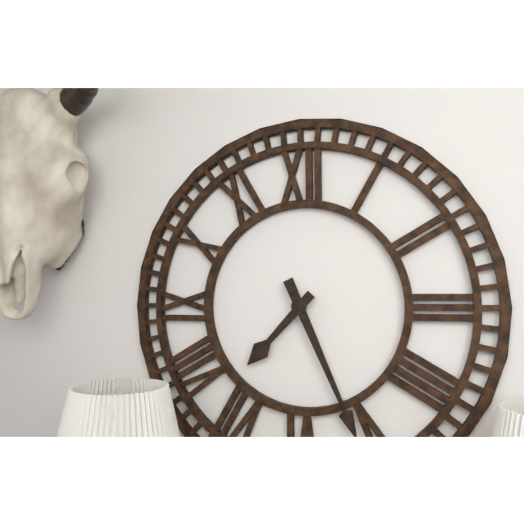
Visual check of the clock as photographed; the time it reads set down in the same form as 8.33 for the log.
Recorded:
7.26
